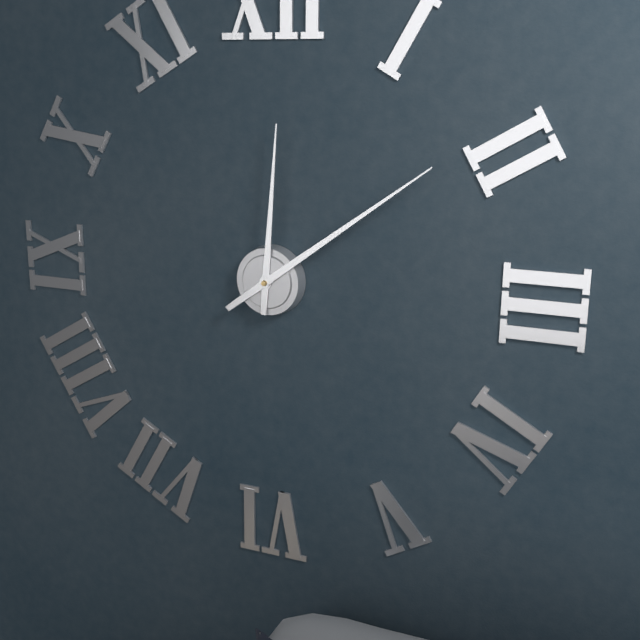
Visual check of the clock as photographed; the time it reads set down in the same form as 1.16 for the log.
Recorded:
12.09
